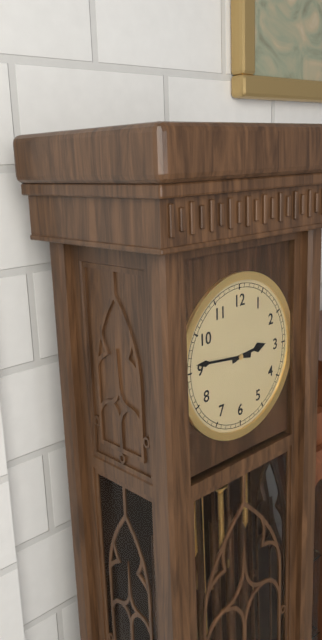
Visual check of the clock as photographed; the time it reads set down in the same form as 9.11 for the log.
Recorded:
2.46
